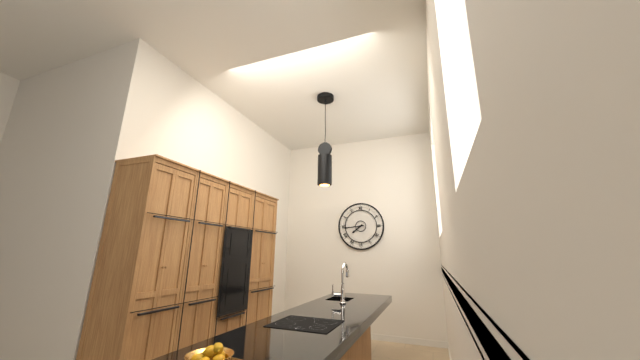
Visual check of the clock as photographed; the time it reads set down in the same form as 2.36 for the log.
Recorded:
7.44
